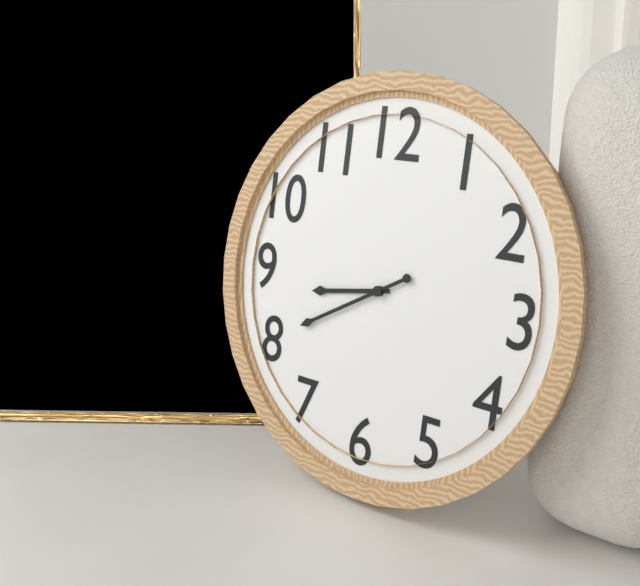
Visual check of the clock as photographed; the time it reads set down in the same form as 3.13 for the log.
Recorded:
8.40
